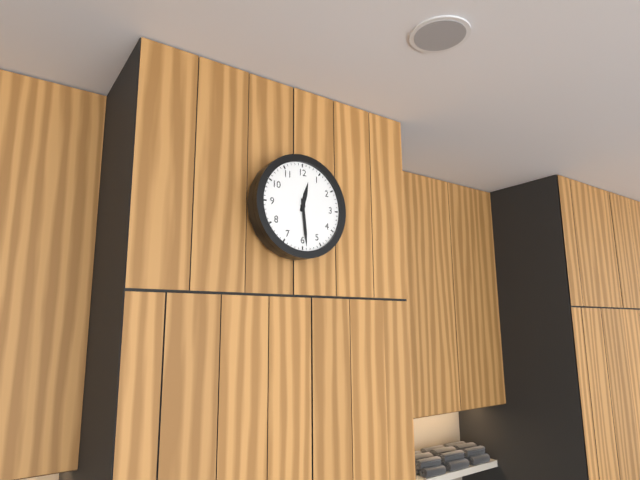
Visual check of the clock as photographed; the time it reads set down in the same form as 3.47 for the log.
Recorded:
12.29
